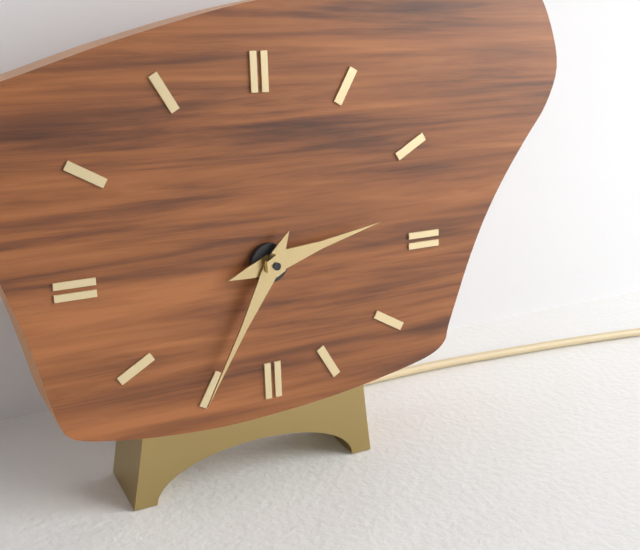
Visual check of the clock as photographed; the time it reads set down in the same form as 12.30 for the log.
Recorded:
2.35
